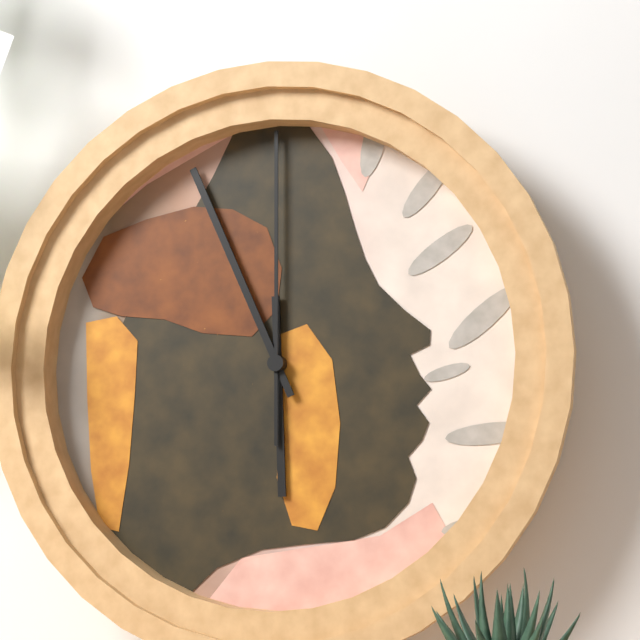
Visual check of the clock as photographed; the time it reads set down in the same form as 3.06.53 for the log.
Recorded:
5.56.00
